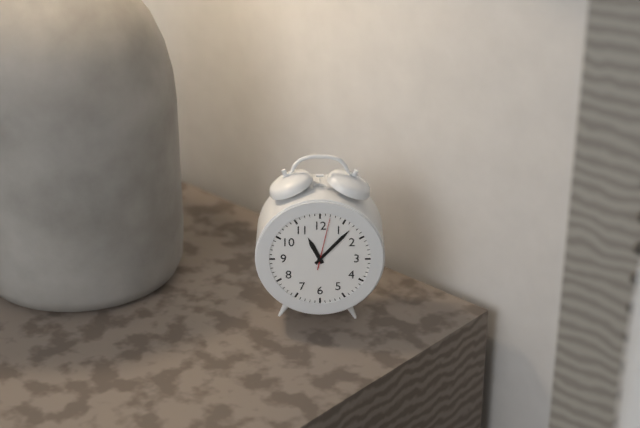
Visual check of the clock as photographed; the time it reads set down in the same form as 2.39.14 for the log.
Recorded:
11.07.02
